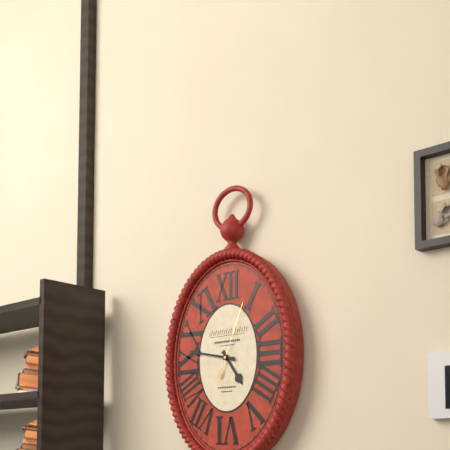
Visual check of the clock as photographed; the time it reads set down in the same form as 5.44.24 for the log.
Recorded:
4.47.04
